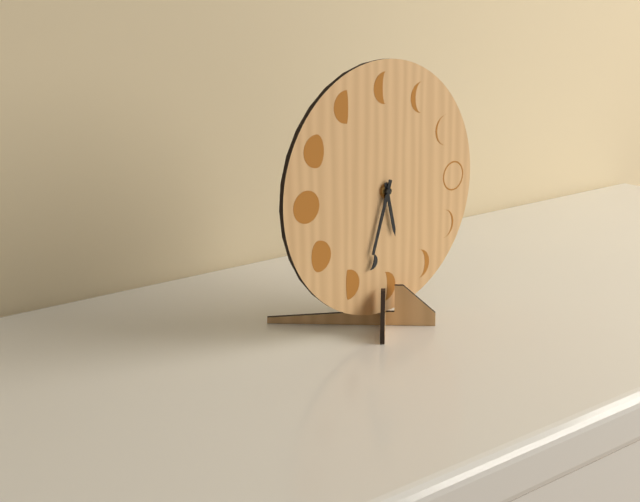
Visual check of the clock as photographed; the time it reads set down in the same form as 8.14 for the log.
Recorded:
5.33
